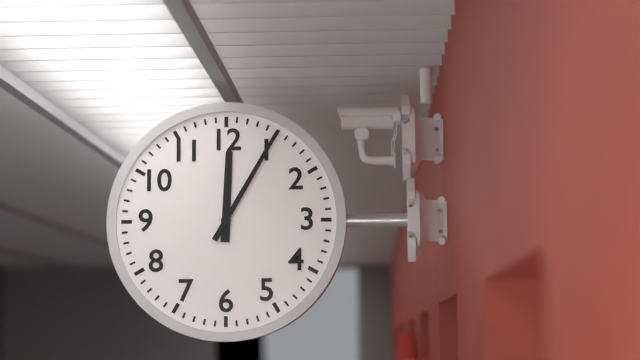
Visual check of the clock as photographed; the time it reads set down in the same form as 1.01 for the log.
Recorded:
12.05
